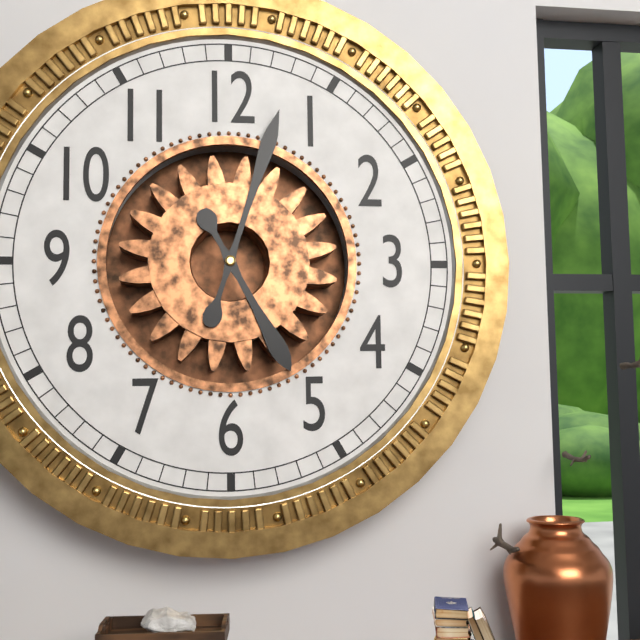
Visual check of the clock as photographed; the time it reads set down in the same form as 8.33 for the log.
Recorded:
5.03
